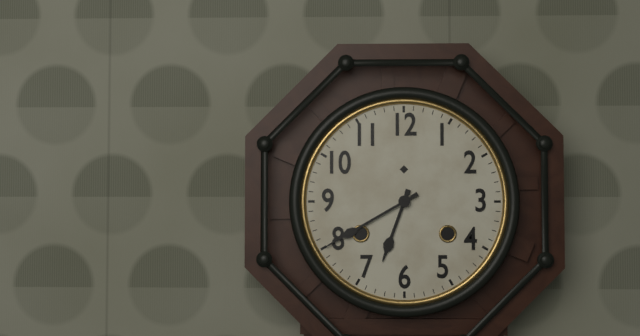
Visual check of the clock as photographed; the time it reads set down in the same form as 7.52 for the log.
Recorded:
6.40
